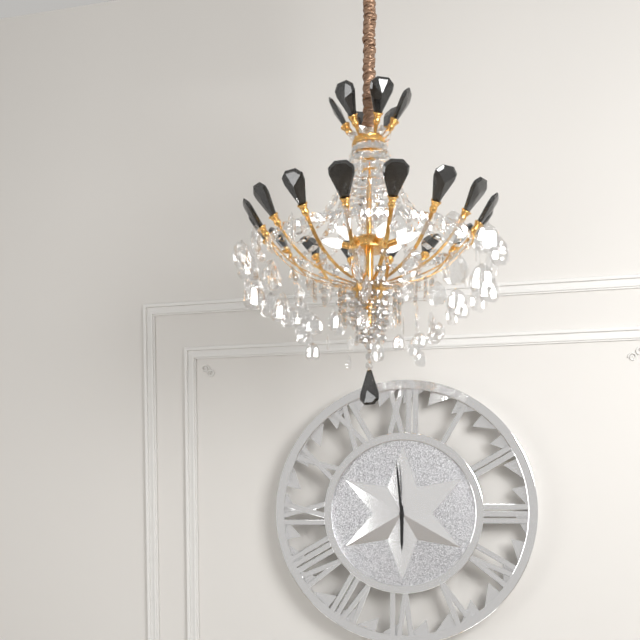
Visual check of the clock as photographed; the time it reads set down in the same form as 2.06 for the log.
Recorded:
5.59
